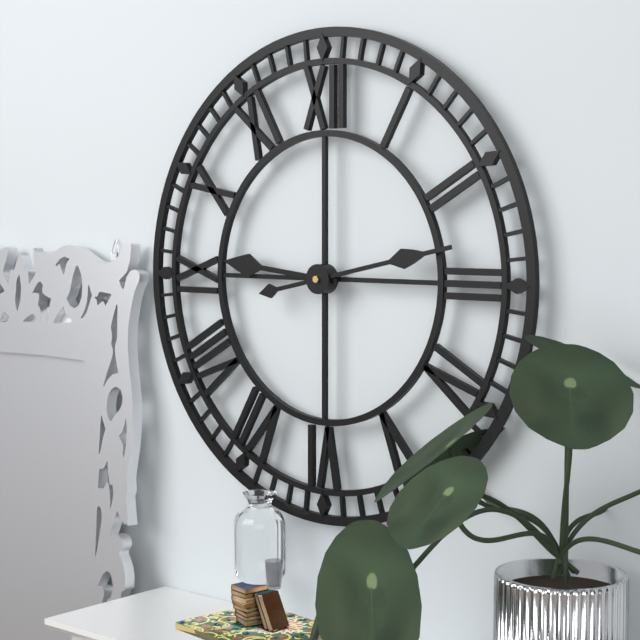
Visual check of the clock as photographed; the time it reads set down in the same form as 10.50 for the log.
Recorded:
9.13
